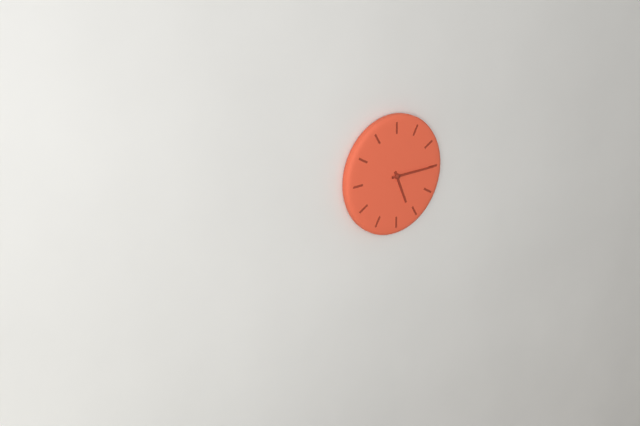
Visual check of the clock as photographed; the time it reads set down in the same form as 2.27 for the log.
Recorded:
5.15
